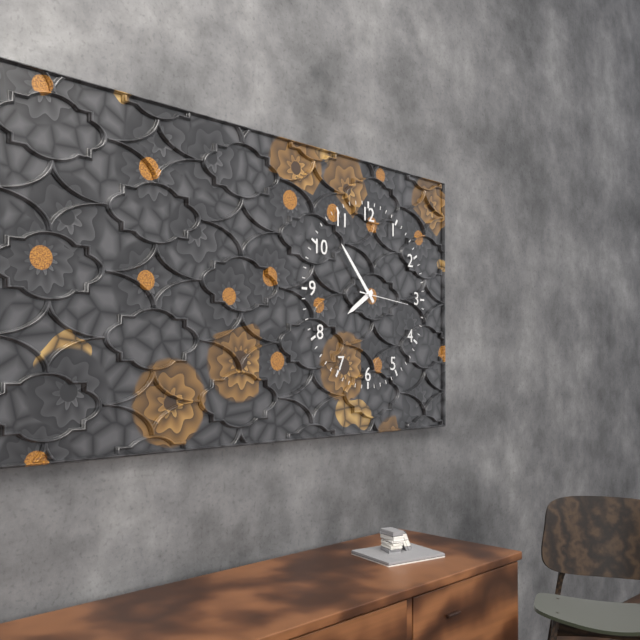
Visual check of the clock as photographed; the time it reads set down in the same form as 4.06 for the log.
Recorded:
7.53
